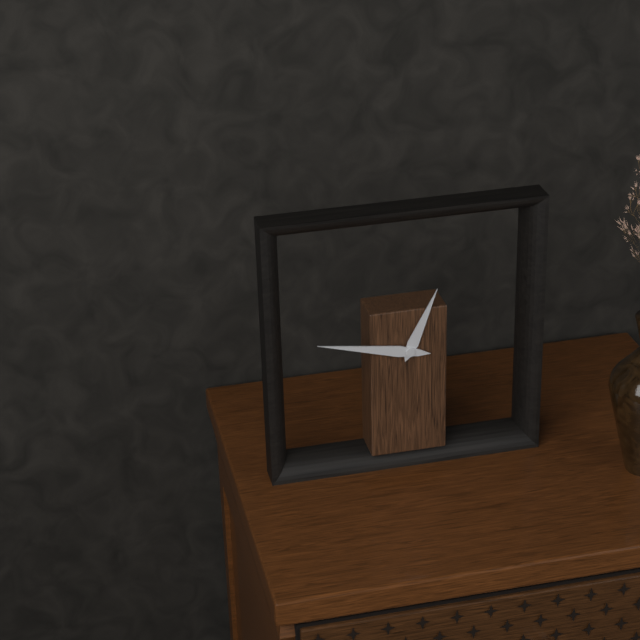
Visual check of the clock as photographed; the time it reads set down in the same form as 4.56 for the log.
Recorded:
12.47
